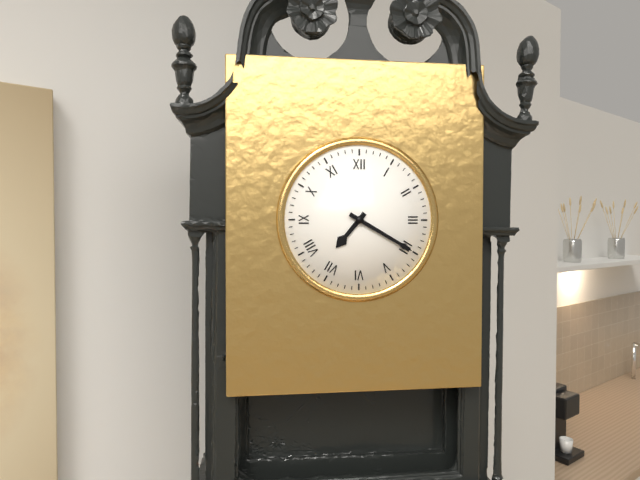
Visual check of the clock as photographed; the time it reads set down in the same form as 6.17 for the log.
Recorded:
7.20
